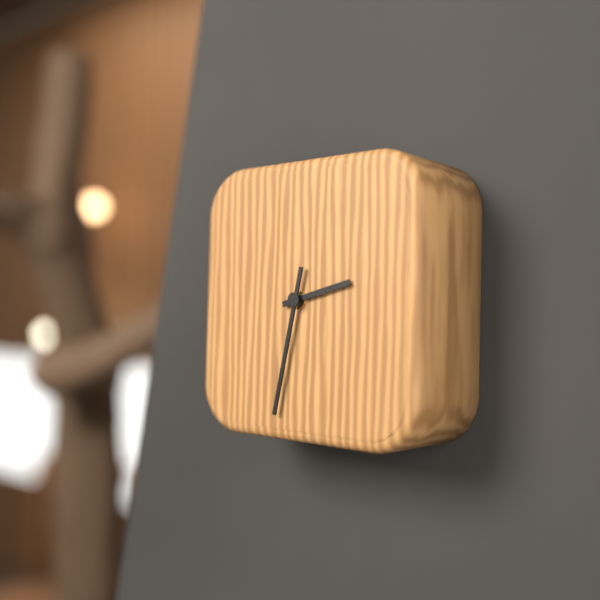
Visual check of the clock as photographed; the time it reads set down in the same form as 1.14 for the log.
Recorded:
2.32
